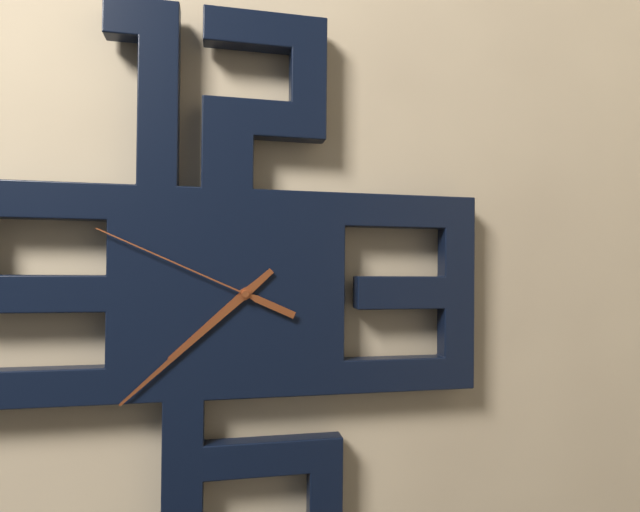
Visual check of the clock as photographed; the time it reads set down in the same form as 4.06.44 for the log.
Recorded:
7.38.49
